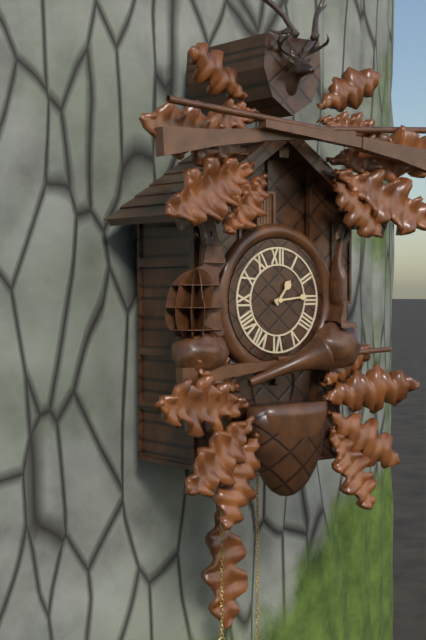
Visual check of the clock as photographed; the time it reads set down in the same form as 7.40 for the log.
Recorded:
1.14
